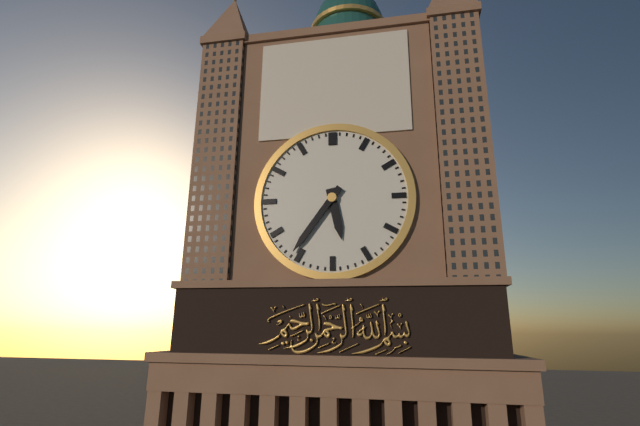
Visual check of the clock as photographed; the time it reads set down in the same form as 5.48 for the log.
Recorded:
5.36
